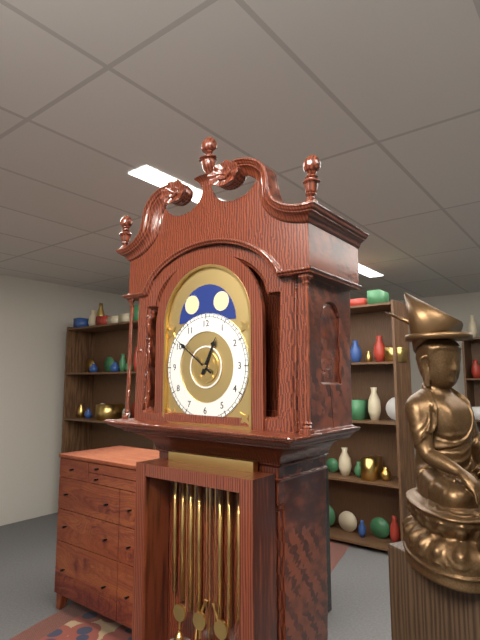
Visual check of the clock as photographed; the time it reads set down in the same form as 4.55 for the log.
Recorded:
12.51
